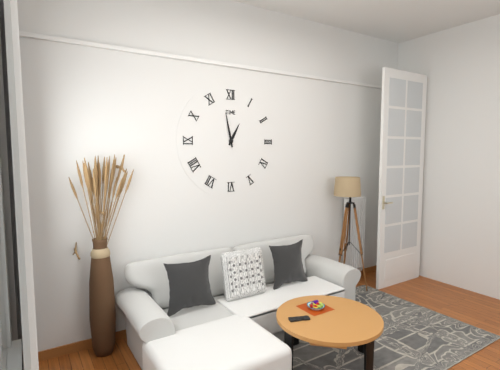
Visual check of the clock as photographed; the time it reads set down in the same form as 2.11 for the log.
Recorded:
12.58
